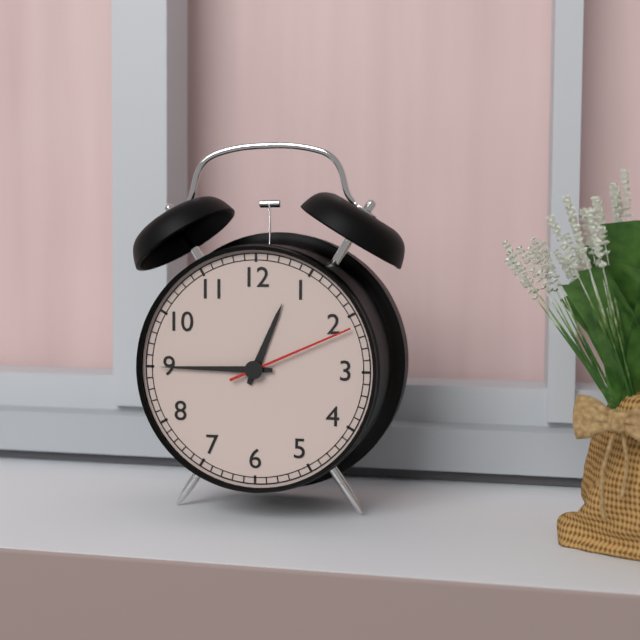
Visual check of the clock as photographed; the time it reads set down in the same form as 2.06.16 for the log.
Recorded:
12.45.11
